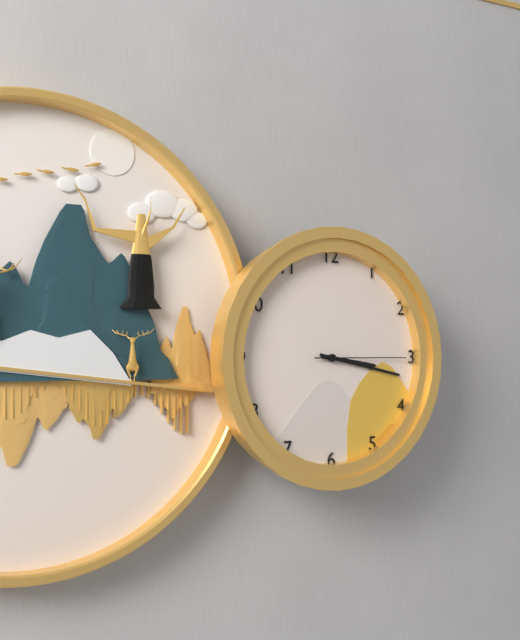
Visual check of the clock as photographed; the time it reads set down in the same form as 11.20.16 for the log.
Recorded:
3.17.15
